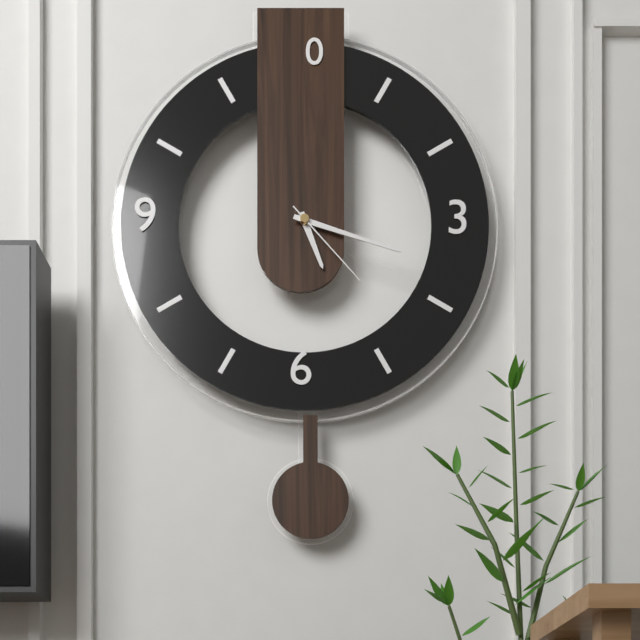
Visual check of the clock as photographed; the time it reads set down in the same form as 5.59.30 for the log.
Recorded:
5.18.23
